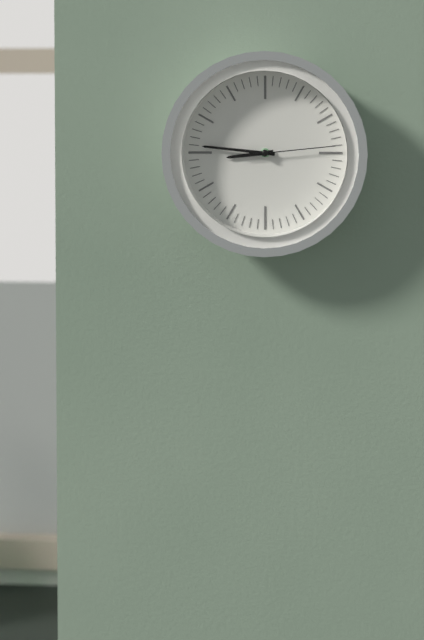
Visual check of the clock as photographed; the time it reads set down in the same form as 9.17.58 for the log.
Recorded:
8.46.14
